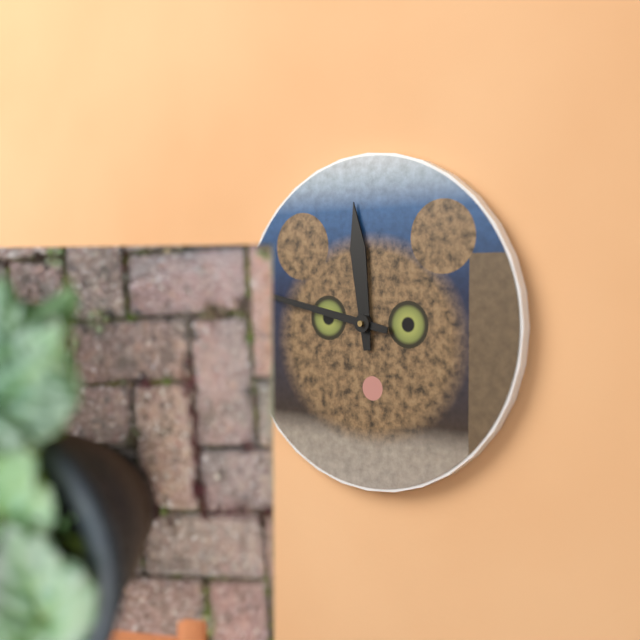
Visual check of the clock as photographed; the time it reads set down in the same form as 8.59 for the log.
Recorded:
11.47
